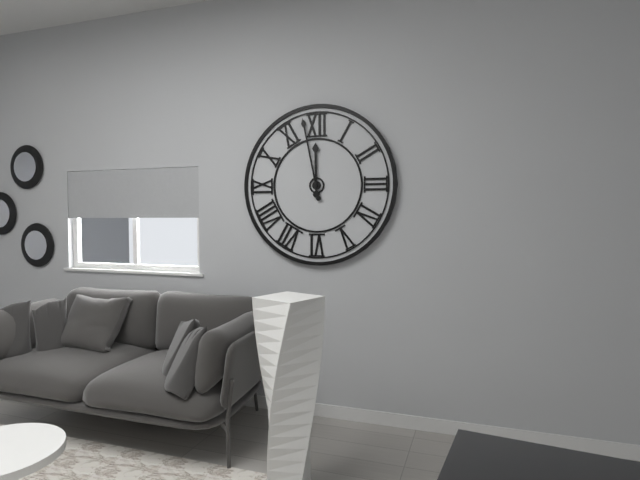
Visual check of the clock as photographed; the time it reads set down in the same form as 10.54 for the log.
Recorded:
11.58
